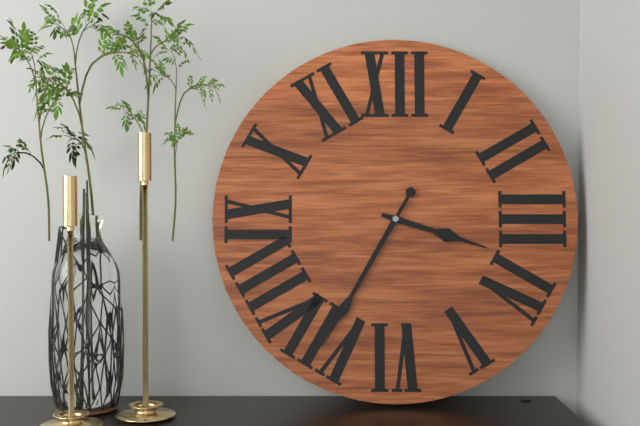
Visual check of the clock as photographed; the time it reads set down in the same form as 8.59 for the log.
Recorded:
3.35
